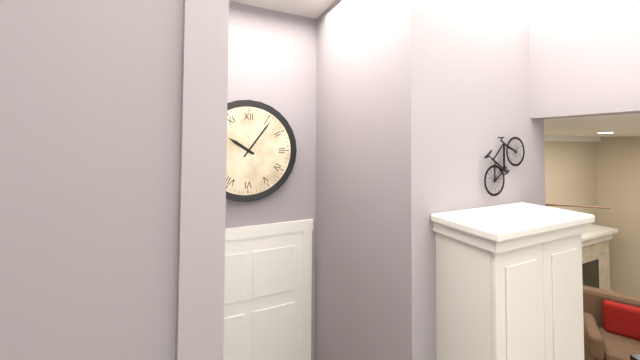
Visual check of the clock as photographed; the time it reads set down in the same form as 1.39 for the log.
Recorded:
10.06
